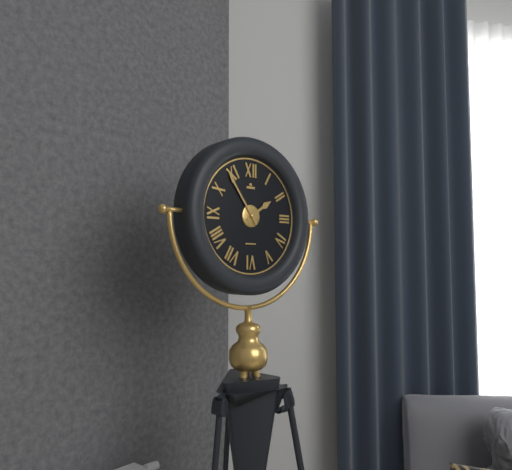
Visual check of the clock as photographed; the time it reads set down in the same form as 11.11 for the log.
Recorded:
1.54
